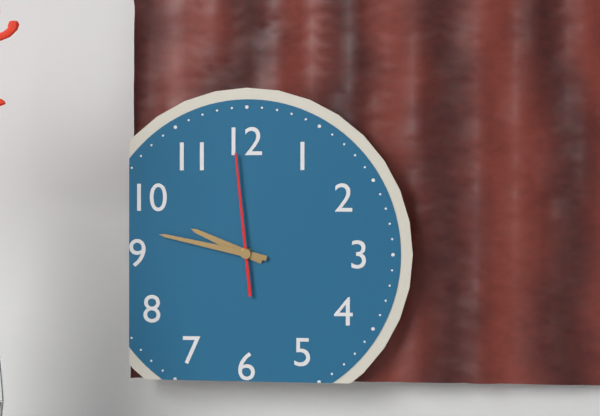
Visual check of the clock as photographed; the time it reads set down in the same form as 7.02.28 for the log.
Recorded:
9.47.59
